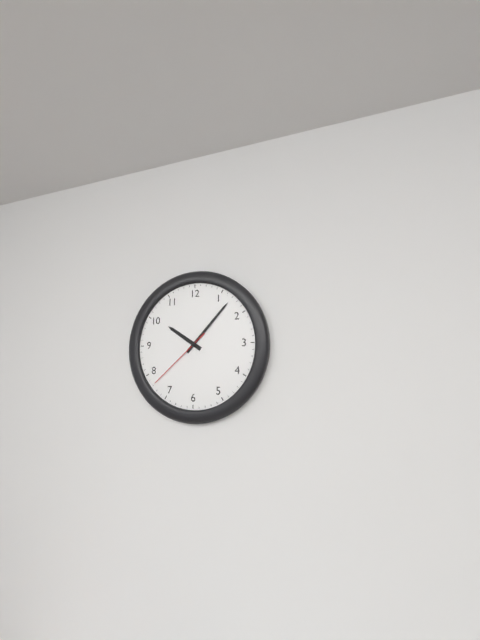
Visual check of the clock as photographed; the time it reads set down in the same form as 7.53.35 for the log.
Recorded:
10.07.38
